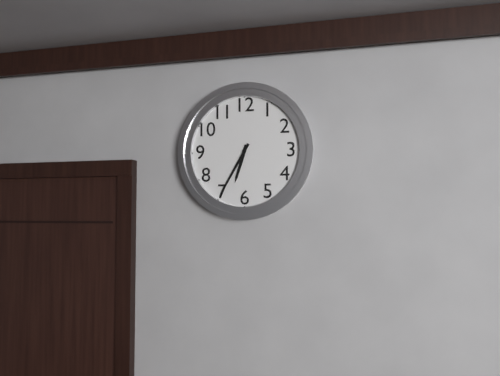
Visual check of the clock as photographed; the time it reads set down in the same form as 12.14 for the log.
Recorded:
6.35
